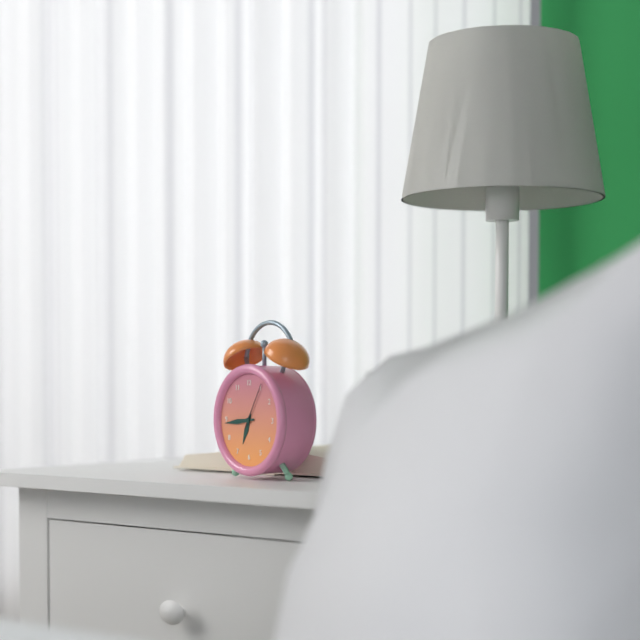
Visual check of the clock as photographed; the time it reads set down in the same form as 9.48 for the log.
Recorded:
6.44
